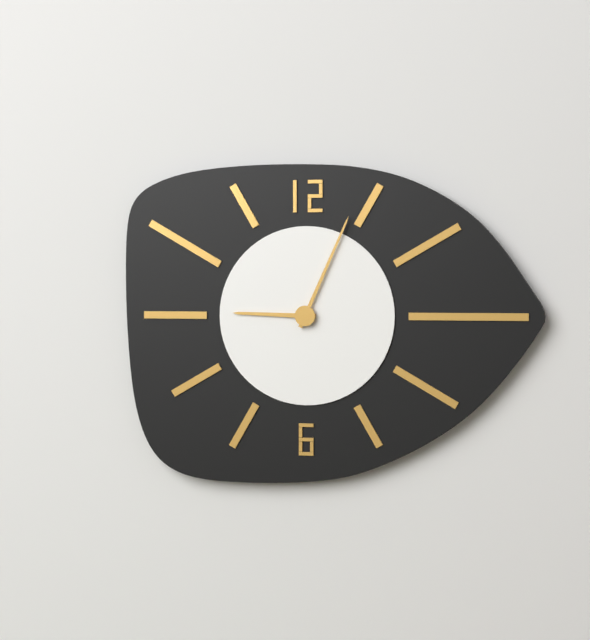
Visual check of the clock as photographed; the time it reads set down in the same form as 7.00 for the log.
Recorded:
9.04
